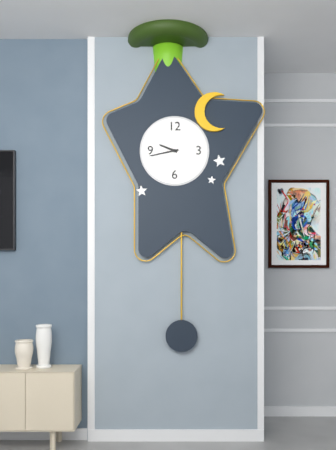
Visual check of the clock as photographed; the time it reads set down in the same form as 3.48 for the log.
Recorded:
9.43
